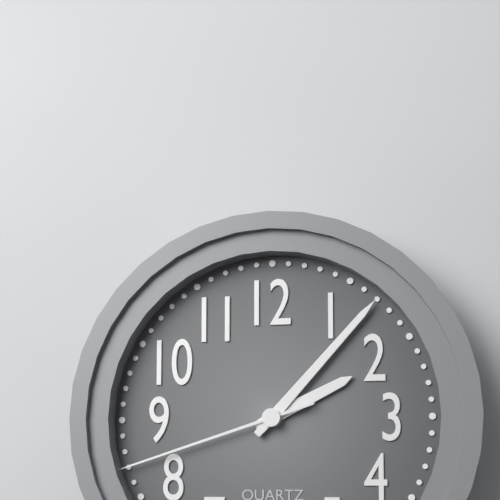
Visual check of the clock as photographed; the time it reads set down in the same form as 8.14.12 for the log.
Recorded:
2.07.42
